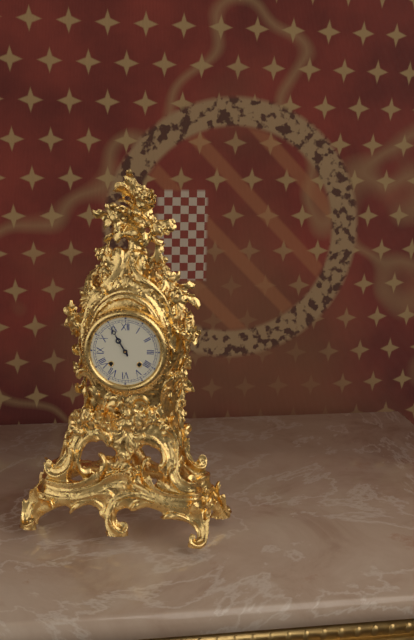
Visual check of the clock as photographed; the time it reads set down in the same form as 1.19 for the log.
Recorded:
10.55
